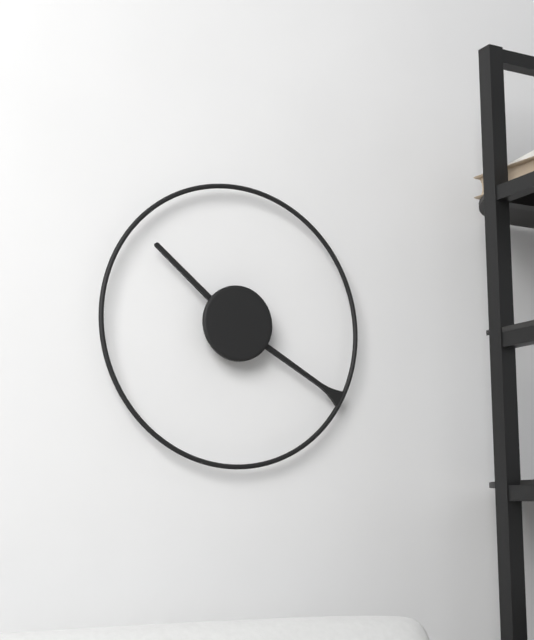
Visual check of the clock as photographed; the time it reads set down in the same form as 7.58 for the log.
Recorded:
10.20
